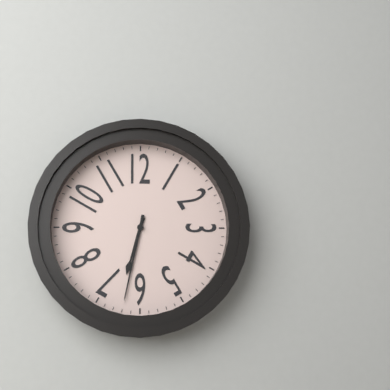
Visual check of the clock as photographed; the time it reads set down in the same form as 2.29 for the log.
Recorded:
6.32
